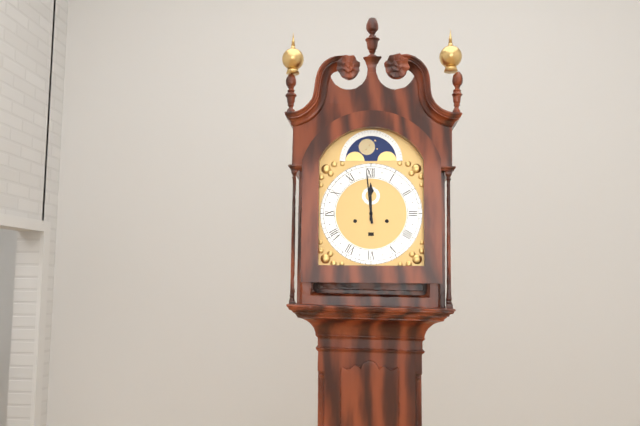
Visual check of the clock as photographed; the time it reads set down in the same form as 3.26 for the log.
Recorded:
11.59
